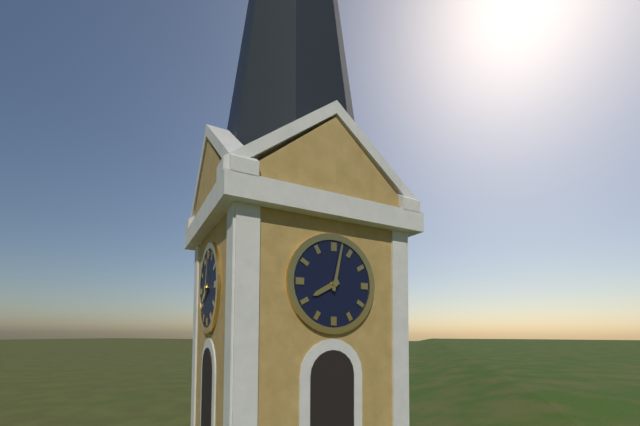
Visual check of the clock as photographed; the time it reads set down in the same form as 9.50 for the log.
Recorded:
8.02
